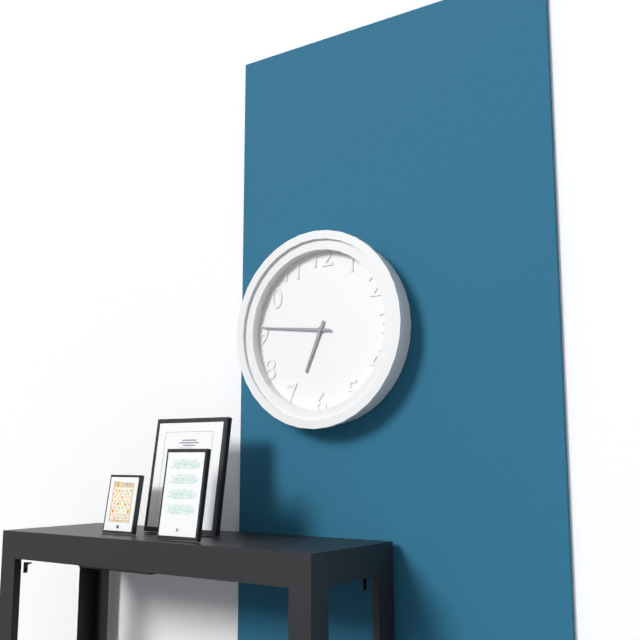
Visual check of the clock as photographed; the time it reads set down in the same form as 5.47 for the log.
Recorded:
6.46
